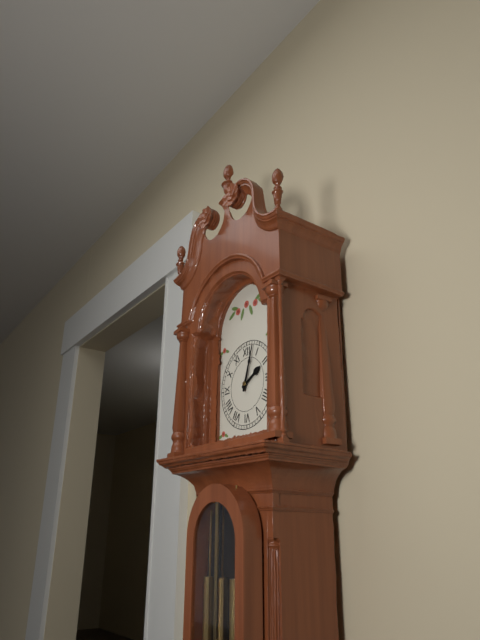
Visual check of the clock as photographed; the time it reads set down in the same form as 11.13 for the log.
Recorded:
2.03
